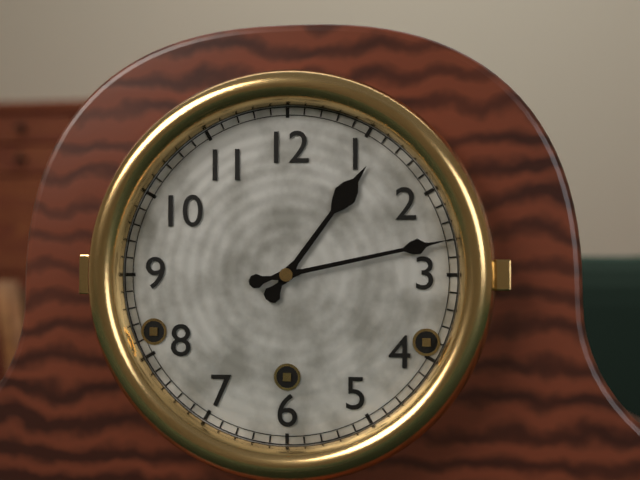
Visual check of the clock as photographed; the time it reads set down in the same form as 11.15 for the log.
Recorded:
1.13
